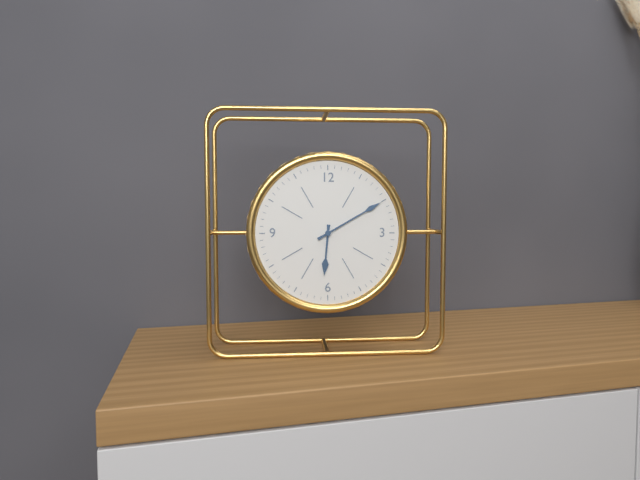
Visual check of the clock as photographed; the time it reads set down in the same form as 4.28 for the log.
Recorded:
6.10
